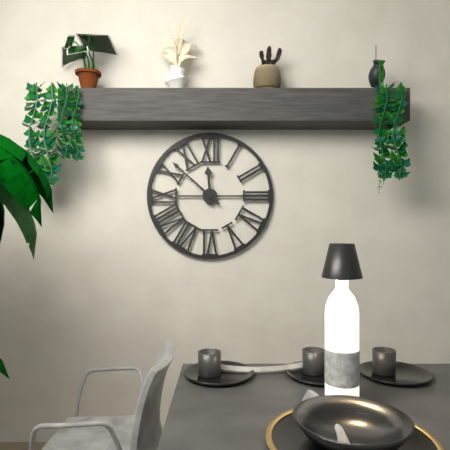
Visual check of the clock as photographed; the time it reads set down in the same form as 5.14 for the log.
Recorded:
11.52
